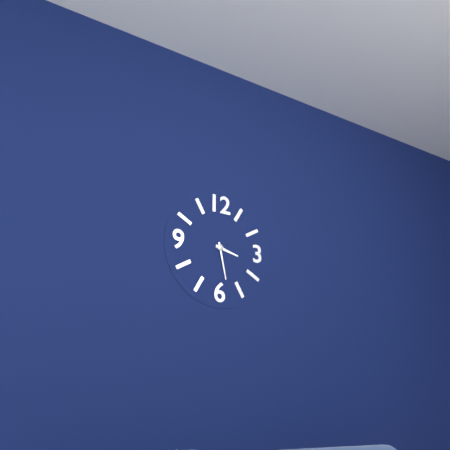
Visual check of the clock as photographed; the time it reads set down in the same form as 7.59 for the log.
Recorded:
3.28
